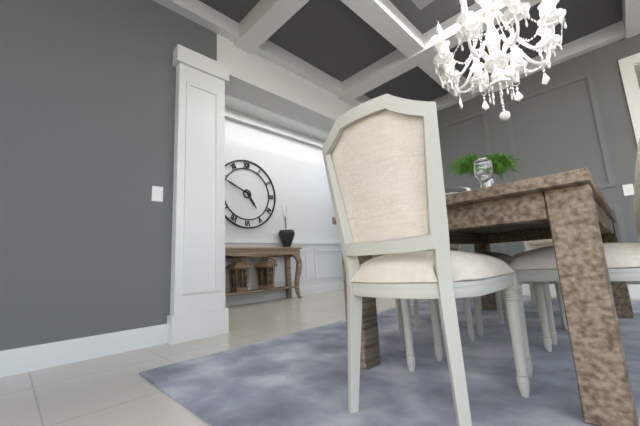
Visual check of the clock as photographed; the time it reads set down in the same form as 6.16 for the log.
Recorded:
4.49
